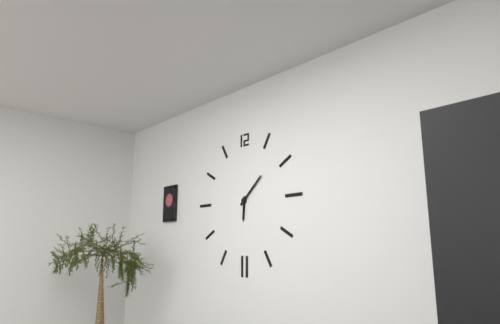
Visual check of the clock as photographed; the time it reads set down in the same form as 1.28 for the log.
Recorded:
6.08
